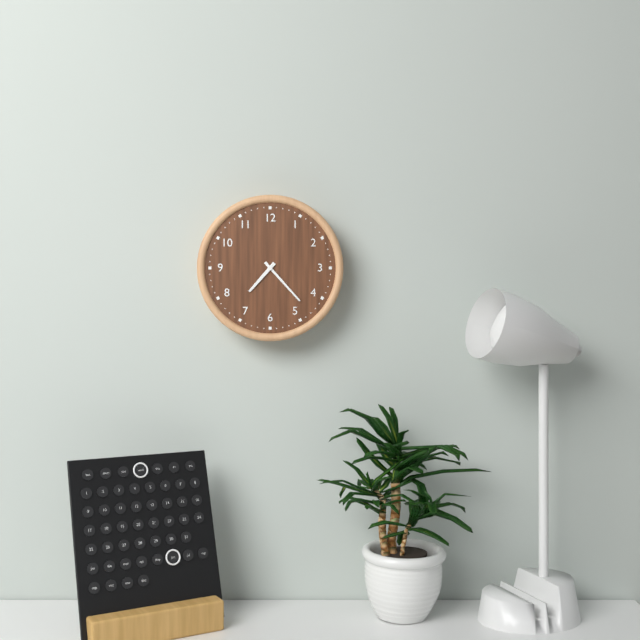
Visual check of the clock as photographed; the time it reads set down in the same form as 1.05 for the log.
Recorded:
7.23
